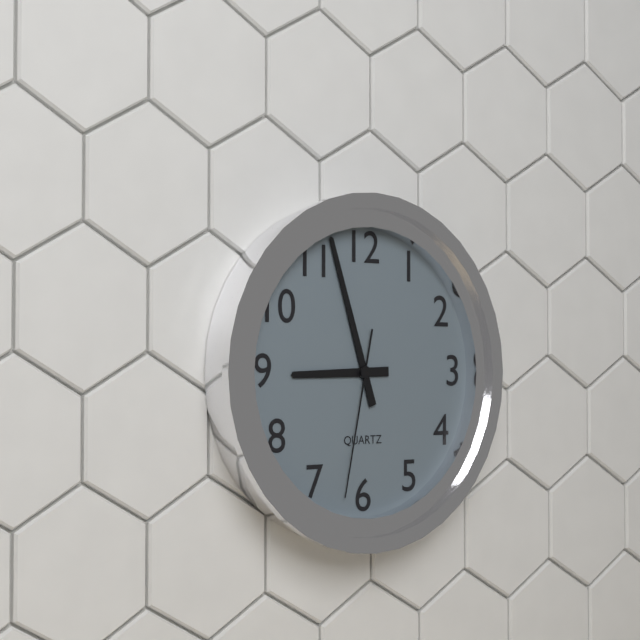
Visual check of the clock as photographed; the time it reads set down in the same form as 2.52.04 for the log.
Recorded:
8.57.32
